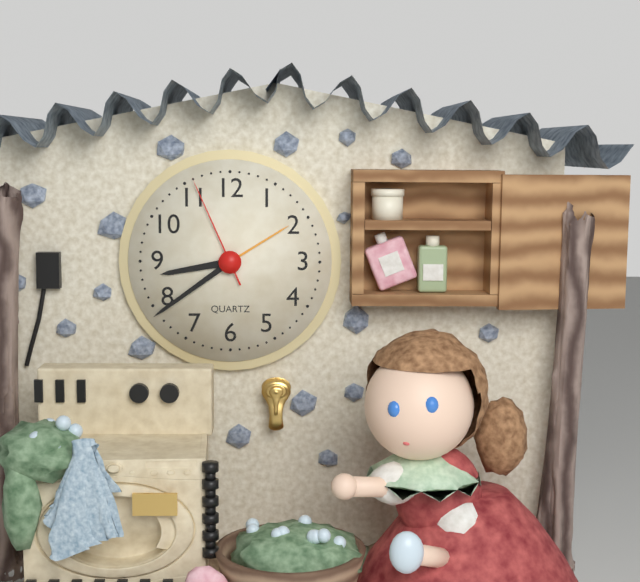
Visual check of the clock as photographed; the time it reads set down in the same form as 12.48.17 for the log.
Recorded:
8.39.56
